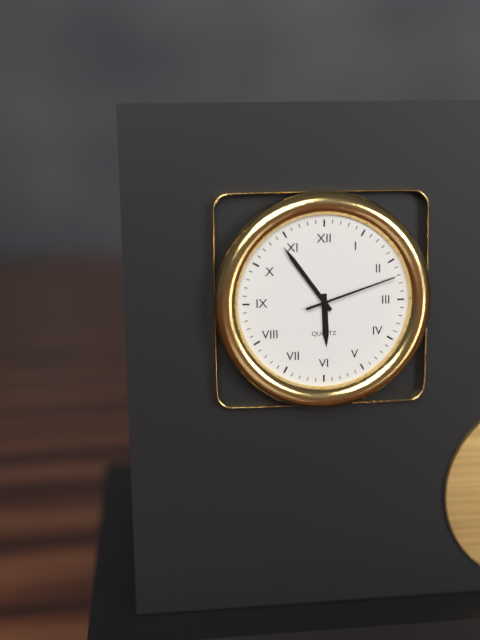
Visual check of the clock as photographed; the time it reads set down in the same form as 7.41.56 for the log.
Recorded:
5.54.12
